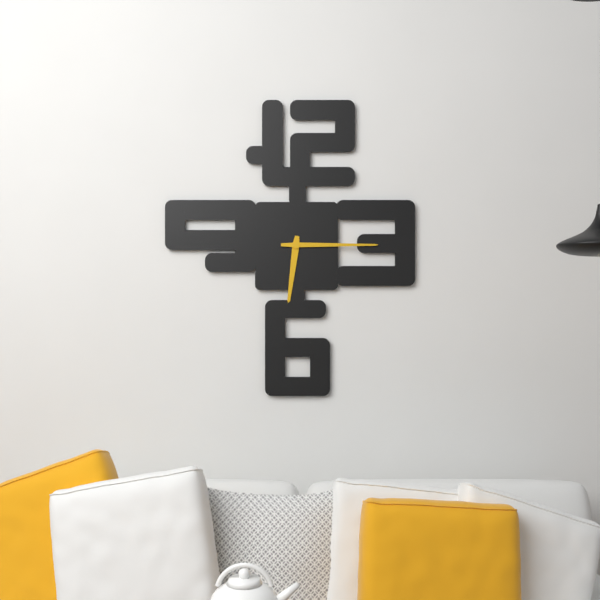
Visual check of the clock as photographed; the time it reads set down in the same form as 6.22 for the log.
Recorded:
6.15
